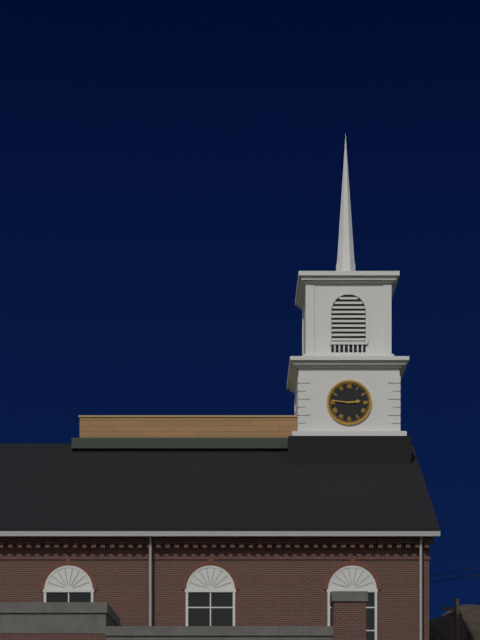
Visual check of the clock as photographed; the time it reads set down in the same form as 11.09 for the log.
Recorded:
2.46
